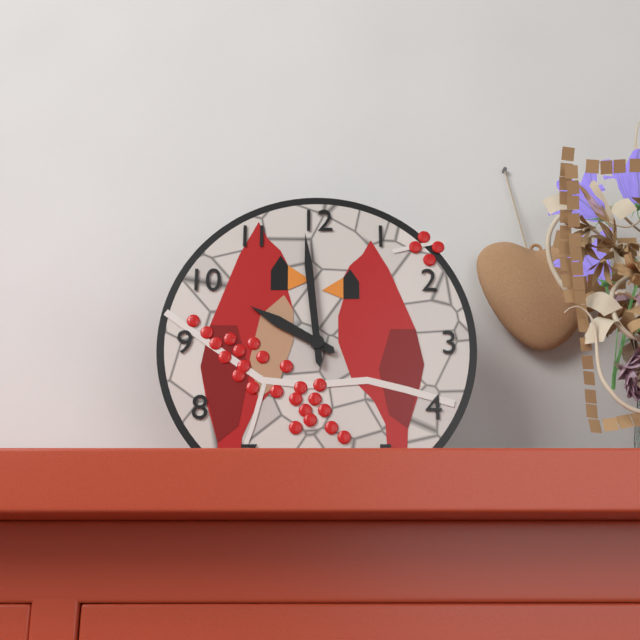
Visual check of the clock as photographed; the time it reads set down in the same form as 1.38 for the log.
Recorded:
9.59
